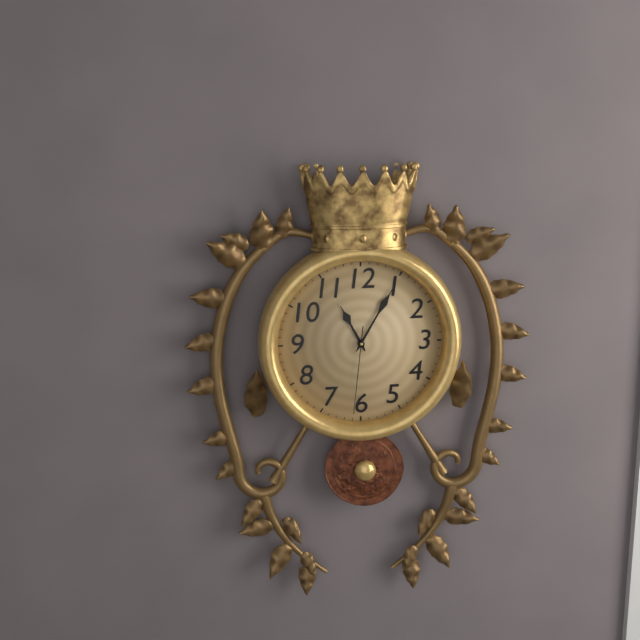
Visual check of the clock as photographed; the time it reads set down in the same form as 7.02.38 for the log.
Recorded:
11.05.31
